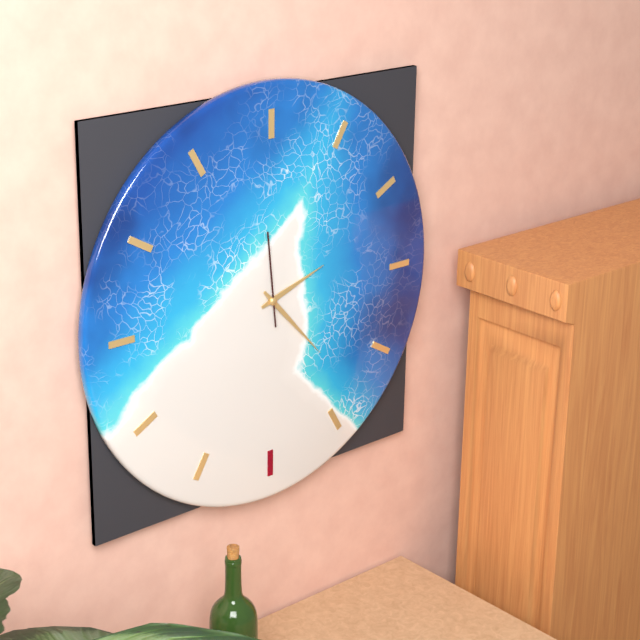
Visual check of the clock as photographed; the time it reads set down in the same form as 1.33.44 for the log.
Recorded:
2.23.59
